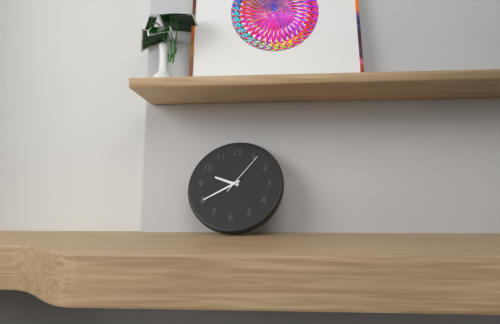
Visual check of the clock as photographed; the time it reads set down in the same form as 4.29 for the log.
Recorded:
9.40
